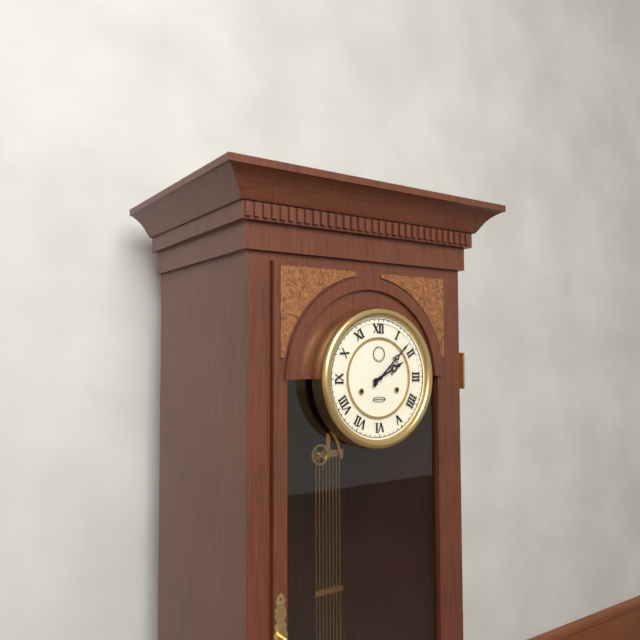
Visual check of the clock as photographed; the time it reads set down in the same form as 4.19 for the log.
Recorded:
2.08
